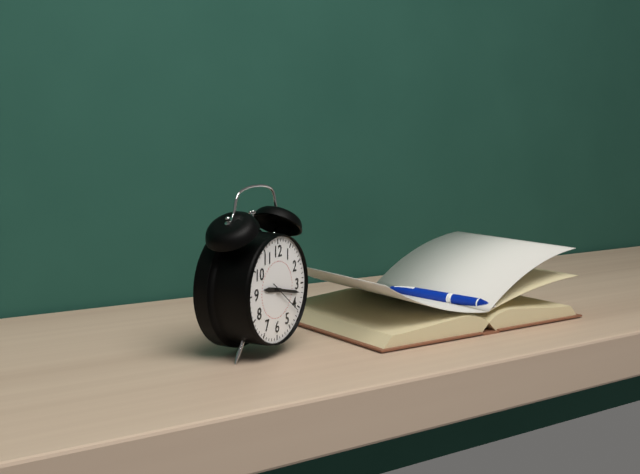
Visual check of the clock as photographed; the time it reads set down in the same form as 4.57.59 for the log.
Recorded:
9.17.21
